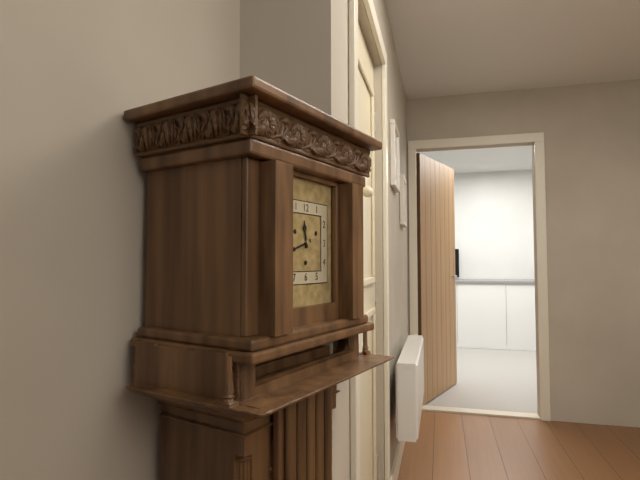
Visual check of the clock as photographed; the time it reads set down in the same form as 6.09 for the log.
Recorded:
11.42
